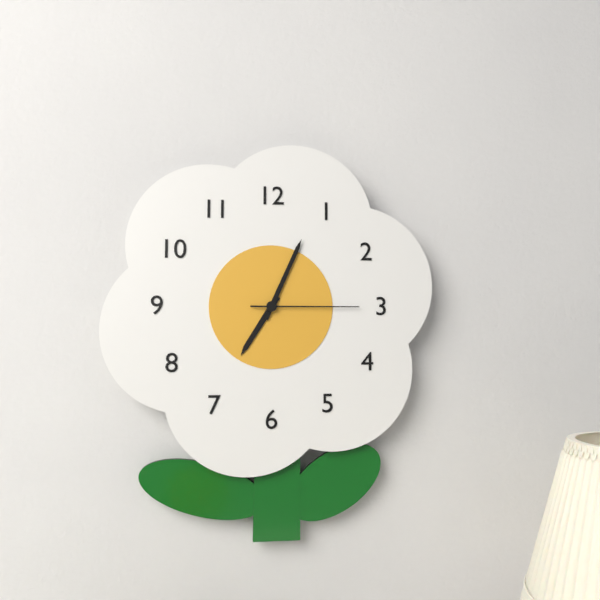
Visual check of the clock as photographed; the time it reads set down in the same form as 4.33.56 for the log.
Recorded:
7.04.15
